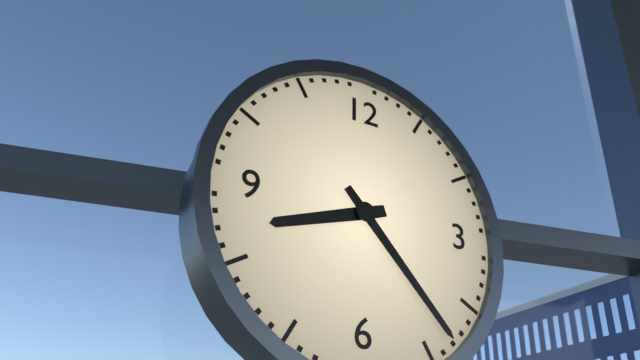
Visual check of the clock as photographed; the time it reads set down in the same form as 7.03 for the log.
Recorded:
8.23
